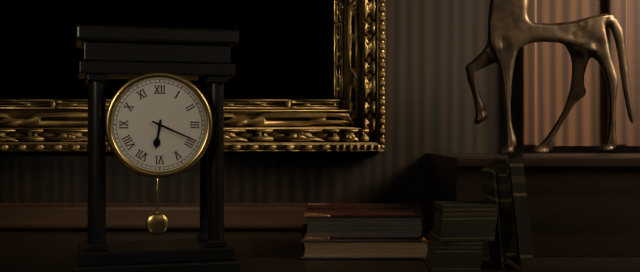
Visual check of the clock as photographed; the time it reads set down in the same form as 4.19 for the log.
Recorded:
6.19
